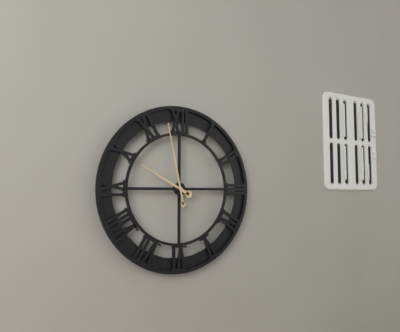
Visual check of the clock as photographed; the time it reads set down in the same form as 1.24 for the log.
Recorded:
9.58
